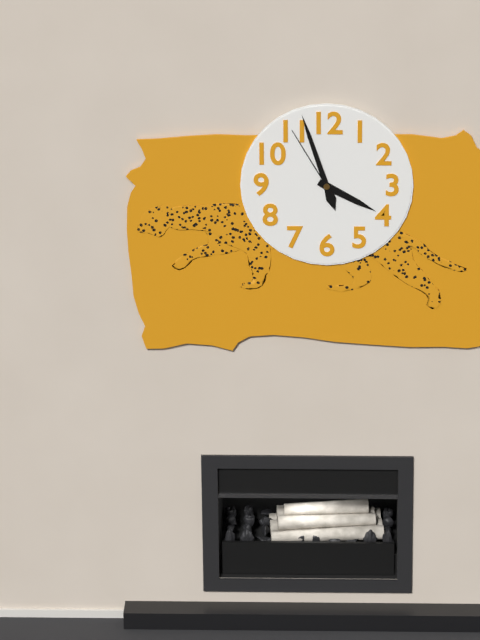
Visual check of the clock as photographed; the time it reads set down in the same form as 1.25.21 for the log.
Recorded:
3.57.55
